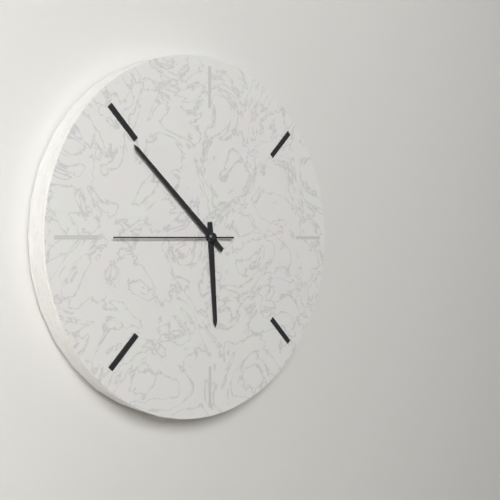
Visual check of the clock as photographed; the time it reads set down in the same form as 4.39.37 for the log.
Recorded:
5.52.45
